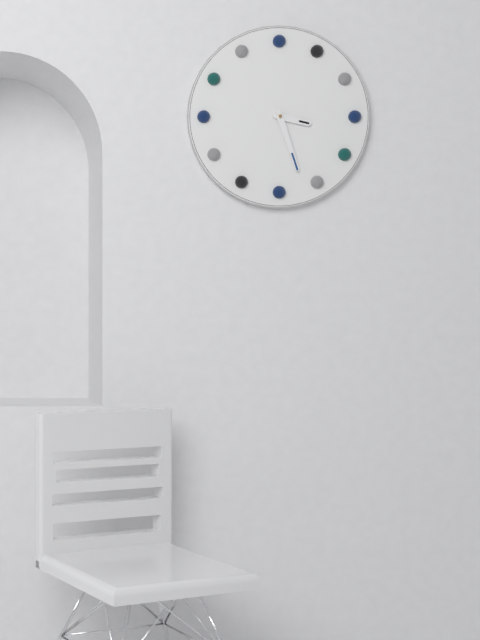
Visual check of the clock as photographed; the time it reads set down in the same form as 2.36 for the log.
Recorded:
3.27
